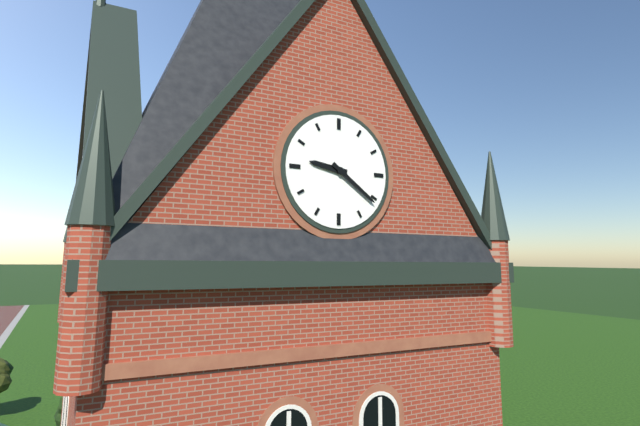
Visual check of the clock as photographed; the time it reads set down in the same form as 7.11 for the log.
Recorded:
9.21
